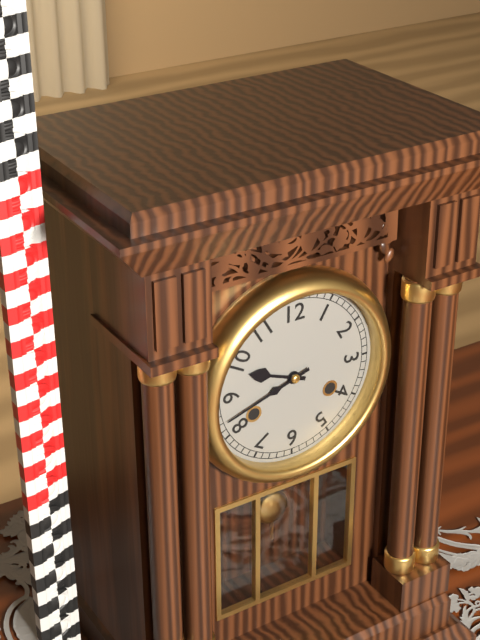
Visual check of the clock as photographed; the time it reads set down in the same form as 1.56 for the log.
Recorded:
9.42
